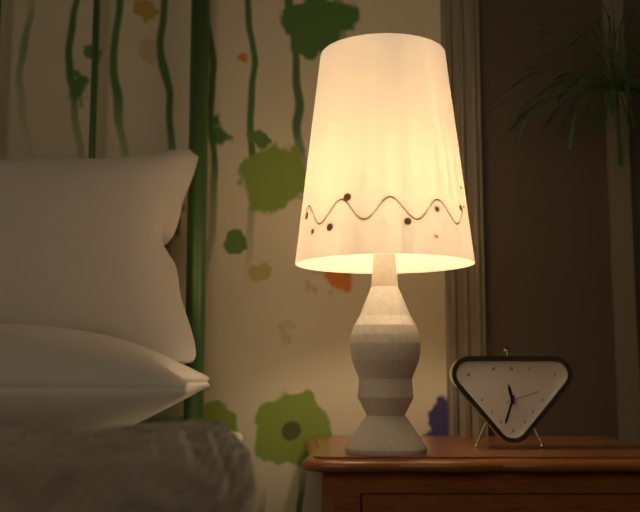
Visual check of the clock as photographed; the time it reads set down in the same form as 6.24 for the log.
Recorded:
11.33
